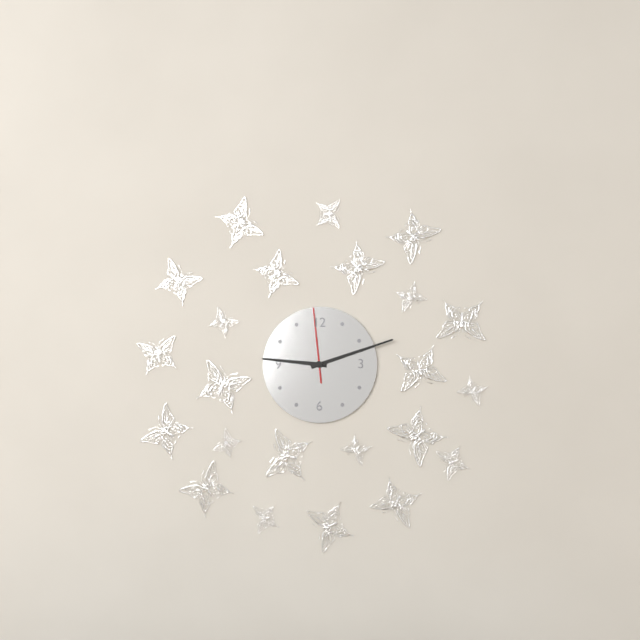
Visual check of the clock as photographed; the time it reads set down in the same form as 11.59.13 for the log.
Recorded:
9.12.59
